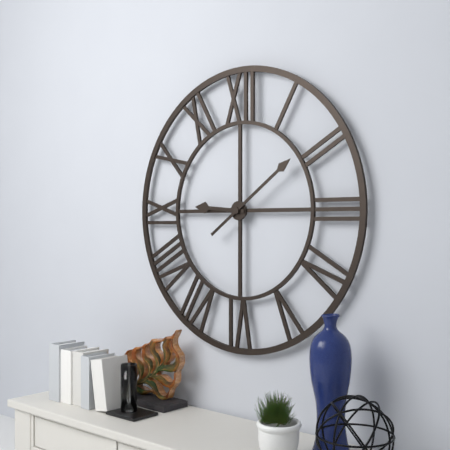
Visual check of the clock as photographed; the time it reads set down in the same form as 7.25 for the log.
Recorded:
9.09
